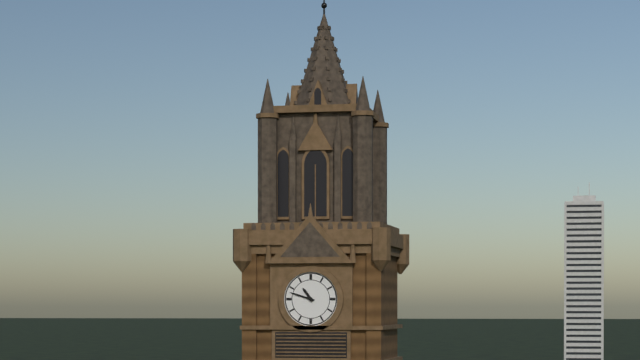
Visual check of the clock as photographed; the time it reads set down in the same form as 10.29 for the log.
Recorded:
10.48
